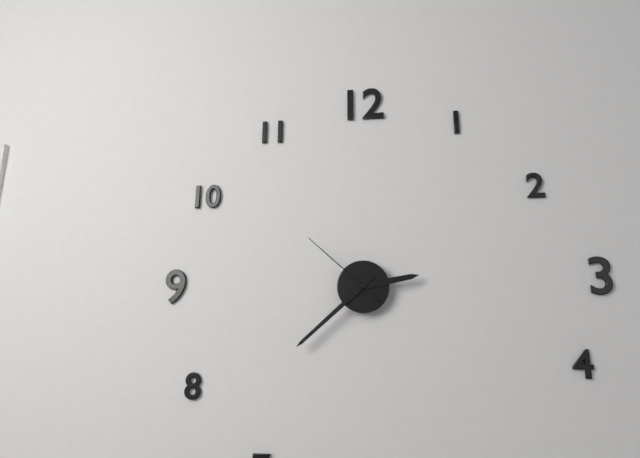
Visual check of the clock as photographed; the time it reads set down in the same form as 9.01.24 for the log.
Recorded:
2.38.52
